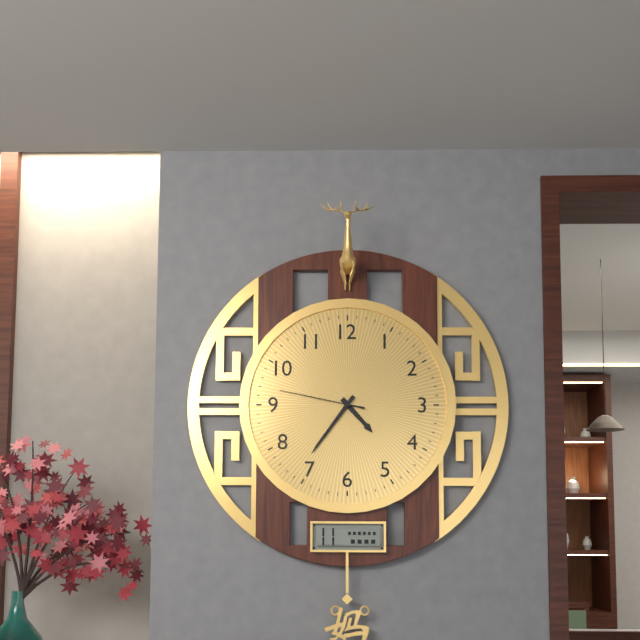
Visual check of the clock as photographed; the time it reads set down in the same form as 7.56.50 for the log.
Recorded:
4.36.47
